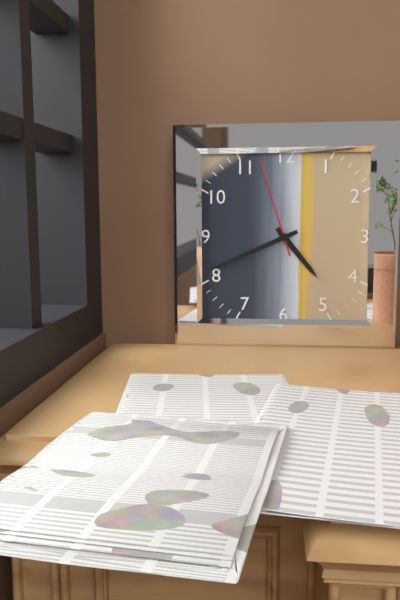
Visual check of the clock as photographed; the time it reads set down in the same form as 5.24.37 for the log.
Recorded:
4.41.57
